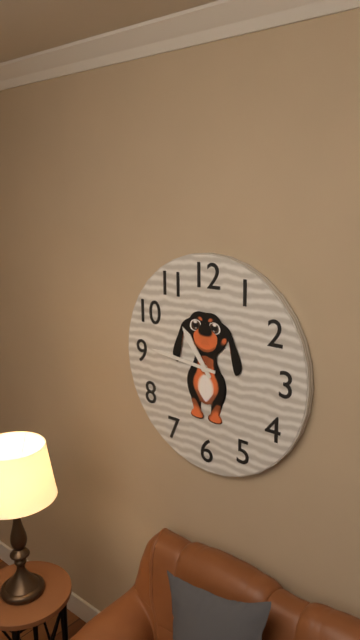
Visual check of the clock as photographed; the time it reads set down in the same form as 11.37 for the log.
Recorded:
10.46
